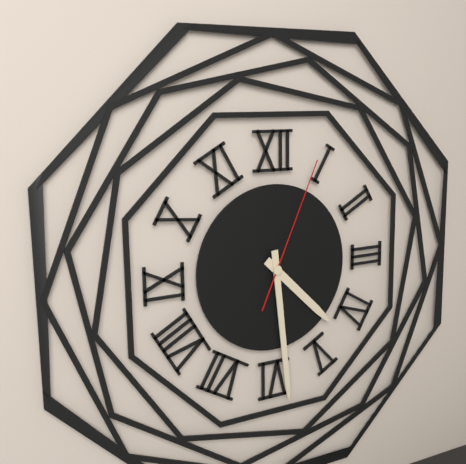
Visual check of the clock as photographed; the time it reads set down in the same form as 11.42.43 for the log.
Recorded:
4.29.04
